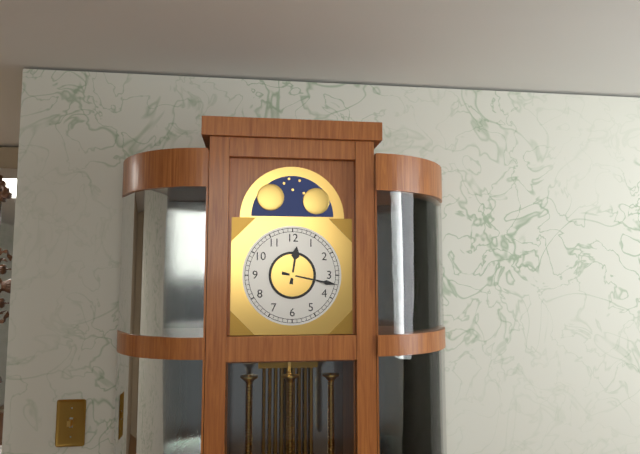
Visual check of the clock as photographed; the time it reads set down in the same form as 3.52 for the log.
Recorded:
12.17
